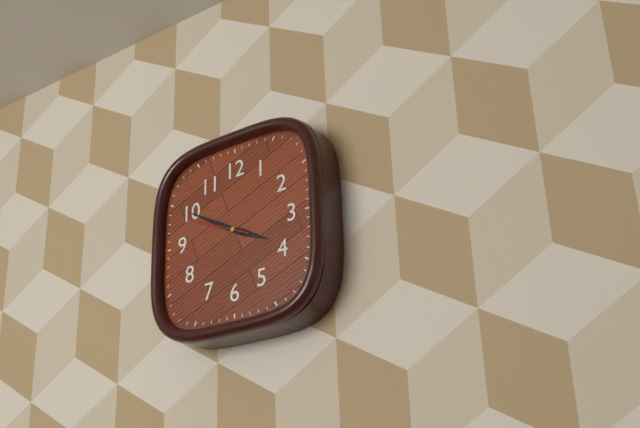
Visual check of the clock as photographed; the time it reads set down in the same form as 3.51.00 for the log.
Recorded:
3.50.49
